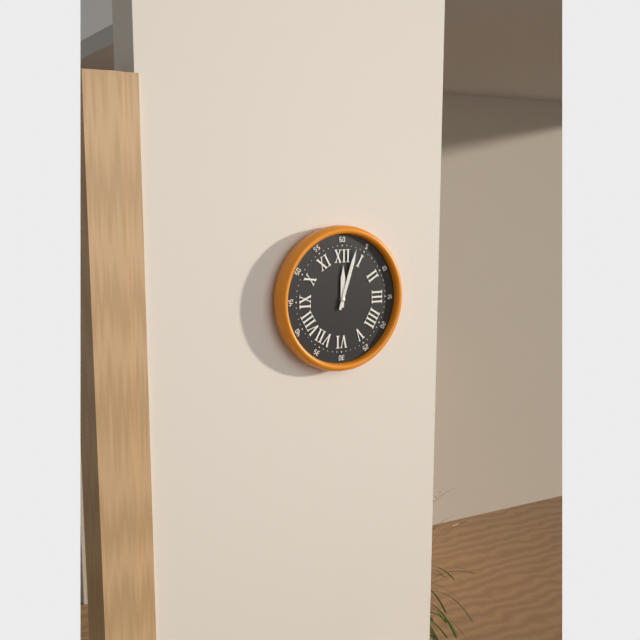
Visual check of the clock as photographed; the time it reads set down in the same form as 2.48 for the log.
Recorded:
12.03
